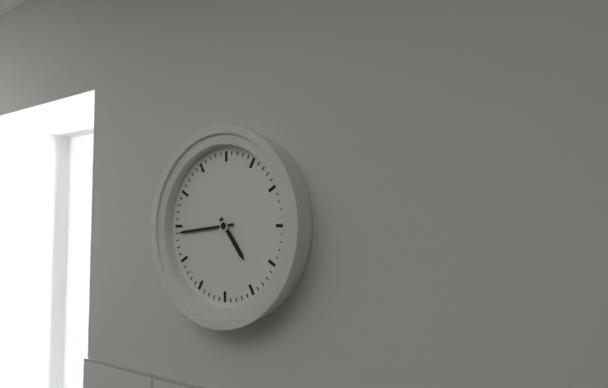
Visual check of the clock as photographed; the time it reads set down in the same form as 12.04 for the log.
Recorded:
4.44
